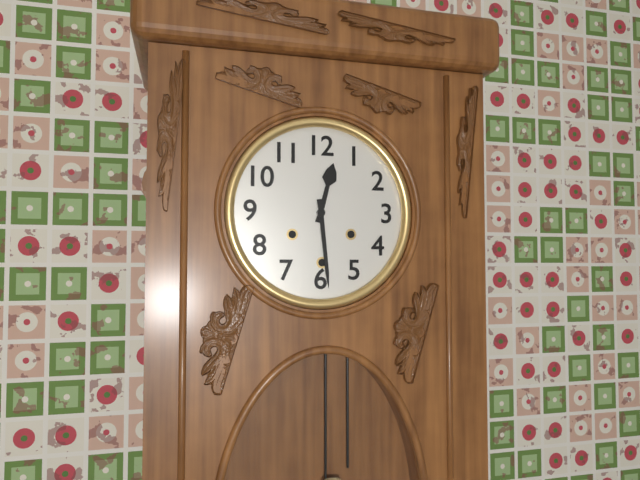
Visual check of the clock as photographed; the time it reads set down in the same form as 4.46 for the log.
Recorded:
12.29
